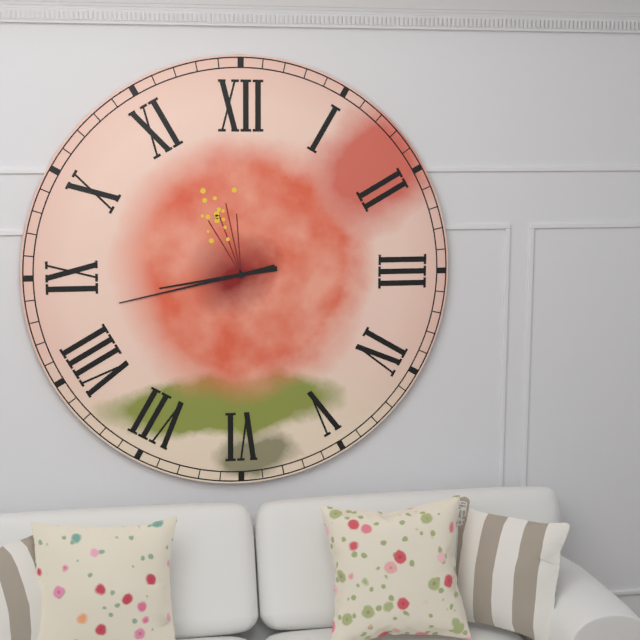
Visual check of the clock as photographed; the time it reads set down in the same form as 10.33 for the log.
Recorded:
8.43
